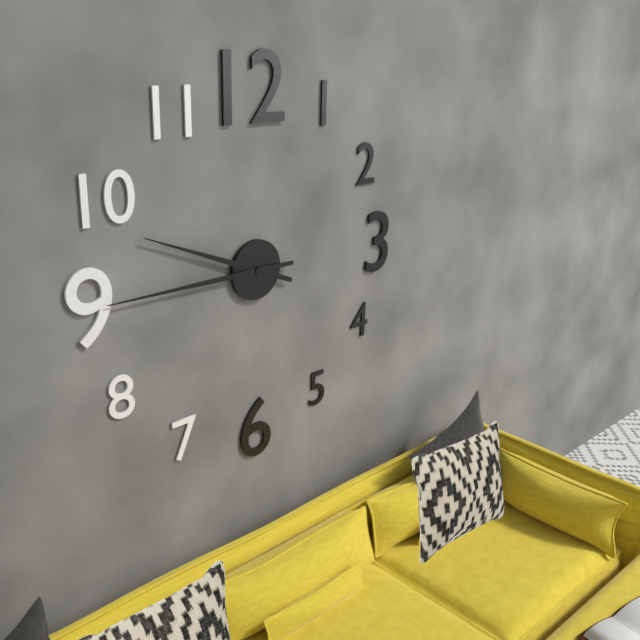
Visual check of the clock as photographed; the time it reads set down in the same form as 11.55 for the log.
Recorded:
9.45
